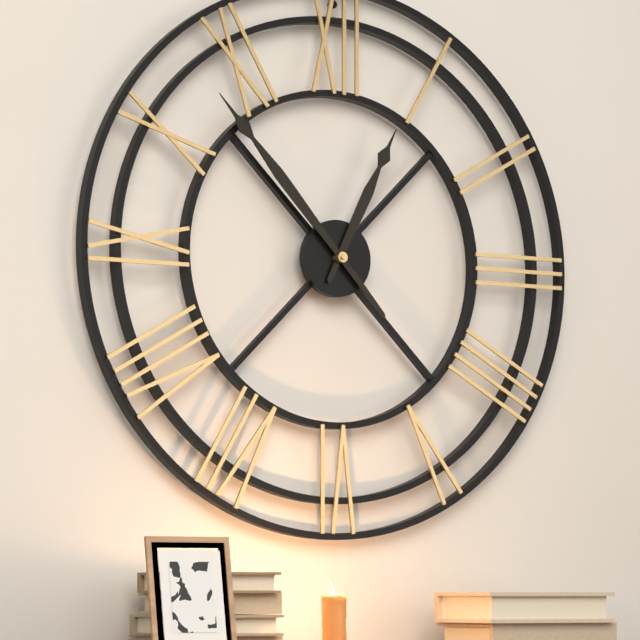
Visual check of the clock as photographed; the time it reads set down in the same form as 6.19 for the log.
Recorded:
12.53
